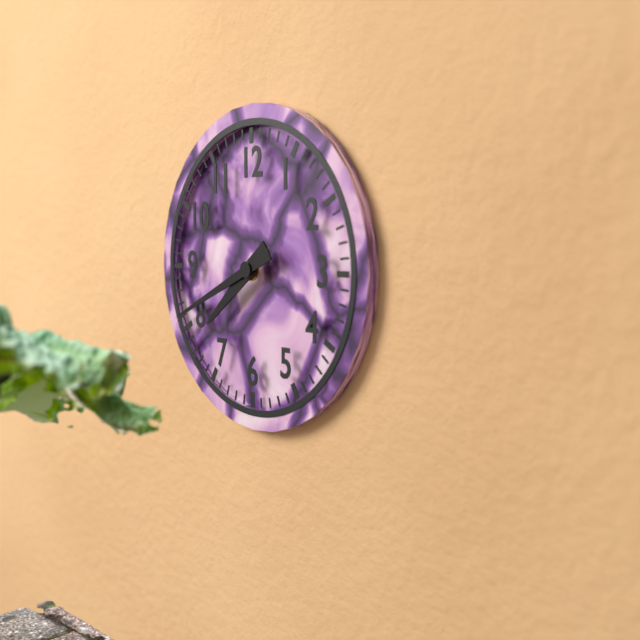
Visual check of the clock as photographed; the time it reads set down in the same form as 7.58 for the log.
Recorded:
7.41
